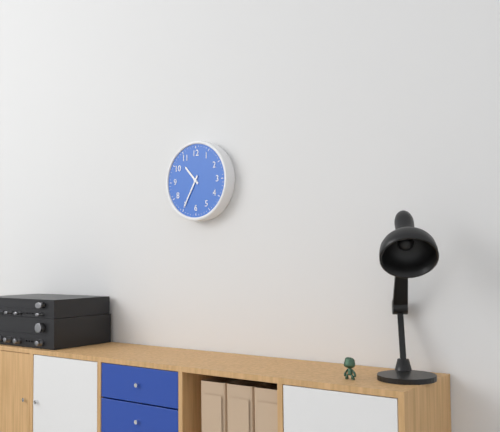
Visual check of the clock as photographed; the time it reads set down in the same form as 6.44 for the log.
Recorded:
10.35
